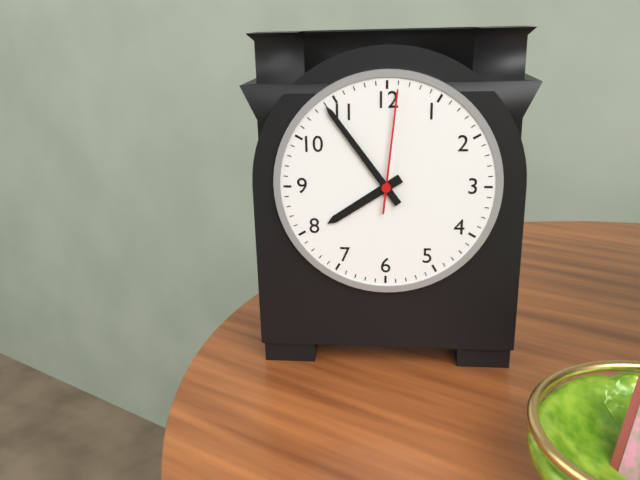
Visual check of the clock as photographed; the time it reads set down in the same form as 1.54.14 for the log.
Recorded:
7.54.01
